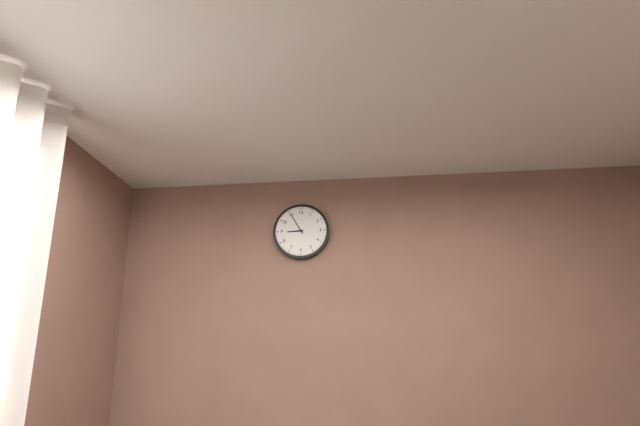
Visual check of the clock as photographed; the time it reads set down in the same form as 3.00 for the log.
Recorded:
8.55
